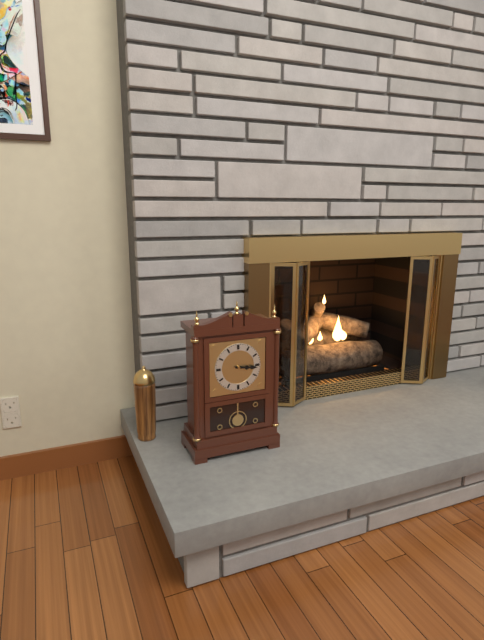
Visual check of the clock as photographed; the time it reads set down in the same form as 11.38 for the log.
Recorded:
3.16
